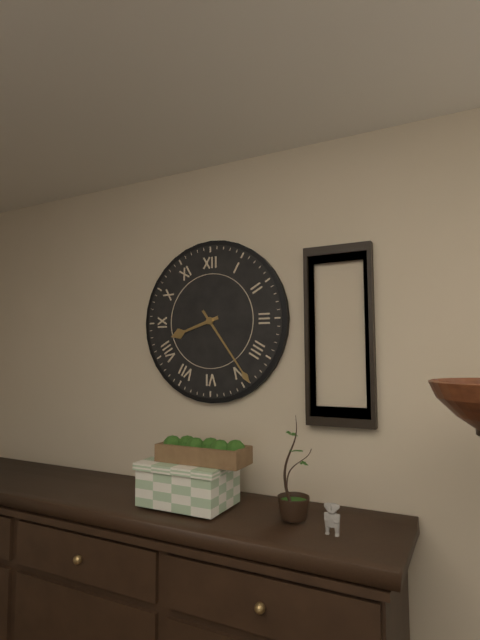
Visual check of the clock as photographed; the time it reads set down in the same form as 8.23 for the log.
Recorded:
8.24
